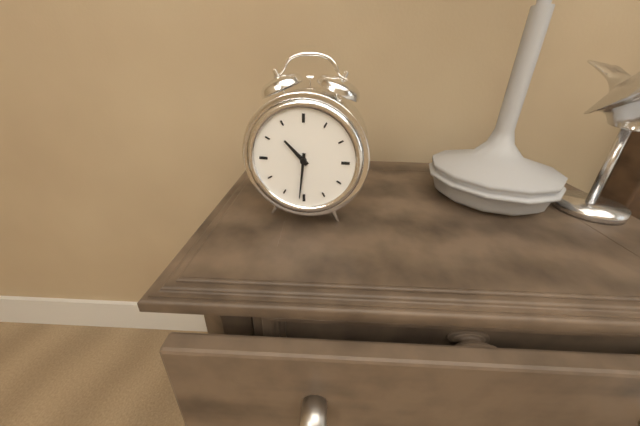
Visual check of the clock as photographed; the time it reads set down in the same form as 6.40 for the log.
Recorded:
10.31
